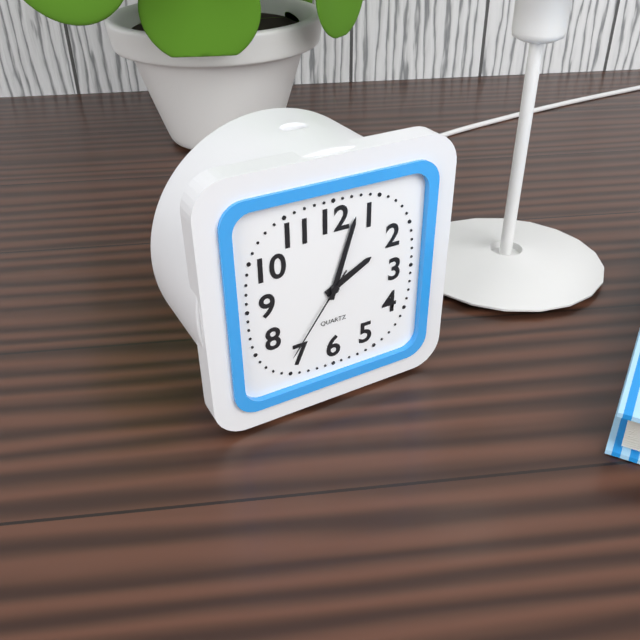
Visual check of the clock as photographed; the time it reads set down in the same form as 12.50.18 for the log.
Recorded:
2.03.36
